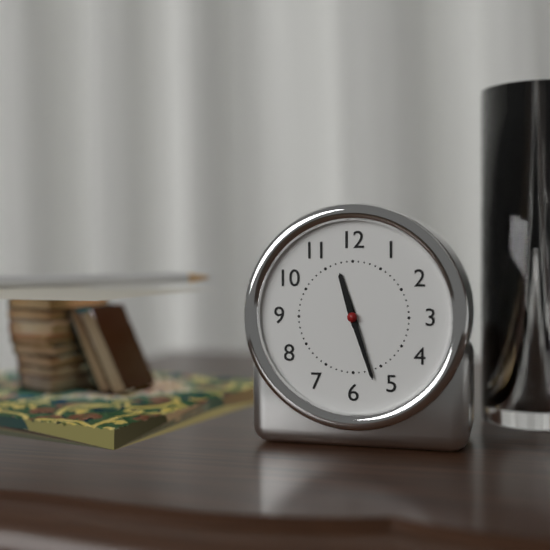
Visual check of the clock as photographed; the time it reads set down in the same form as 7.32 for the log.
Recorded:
11.27
